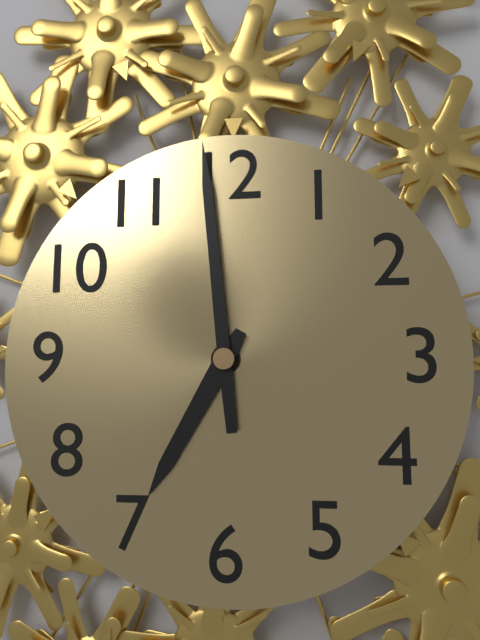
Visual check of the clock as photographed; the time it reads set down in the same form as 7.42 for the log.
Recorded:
6.59
